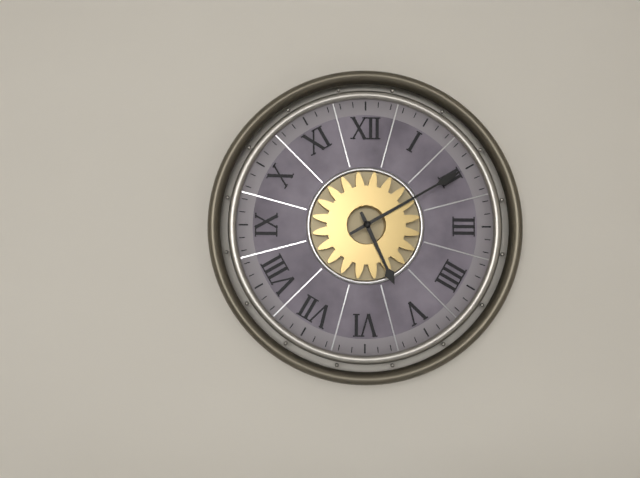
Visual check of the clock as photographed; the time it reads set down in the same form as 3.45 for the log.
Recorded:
5.10
